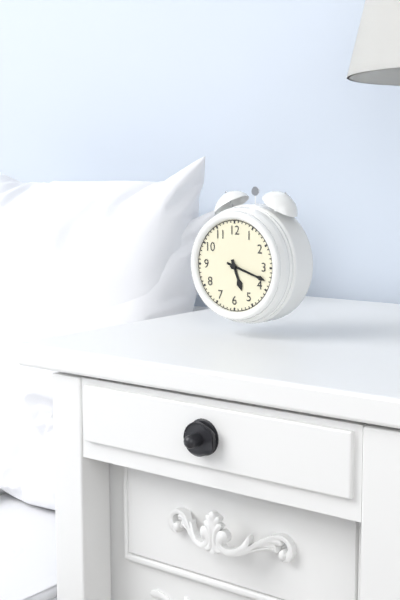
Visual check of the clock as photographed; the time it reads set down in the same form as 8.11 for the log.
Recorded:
5.18
